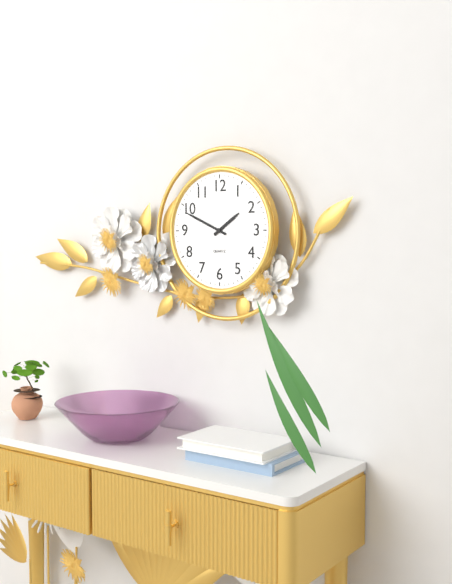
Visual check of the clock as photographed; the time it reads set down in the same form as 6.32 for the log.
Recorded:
1.49
